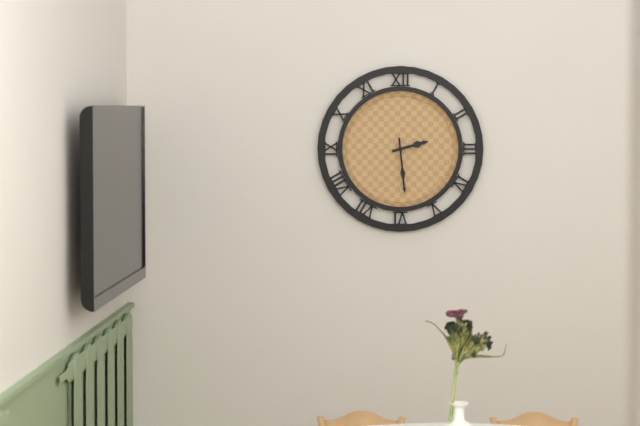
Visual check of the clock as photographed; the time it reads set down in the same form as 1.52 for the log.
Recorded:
2.29
